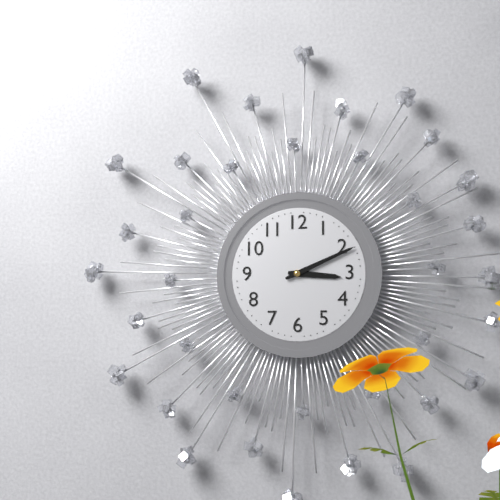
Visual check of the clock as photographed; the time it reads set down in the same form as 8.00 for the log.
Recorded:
3.11
